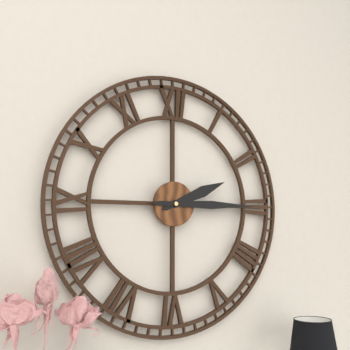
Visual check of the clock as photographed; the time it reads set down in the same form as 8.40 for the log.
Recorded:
2.15
